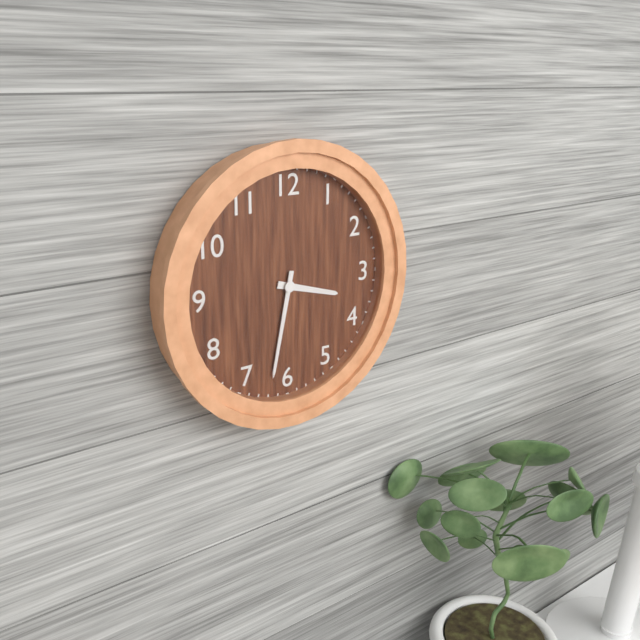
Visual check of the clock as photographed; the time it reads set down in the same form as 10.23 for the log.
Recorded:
3.32
